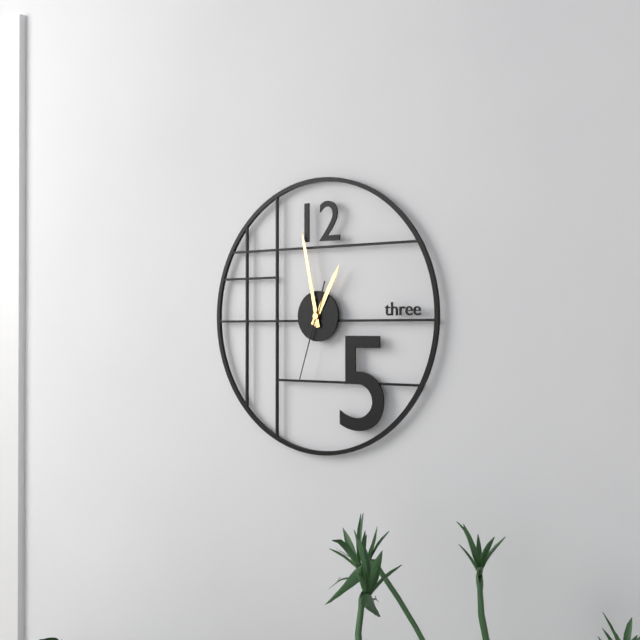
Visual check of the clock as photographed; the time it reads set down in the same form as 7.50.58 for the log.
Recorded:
12.58.33
